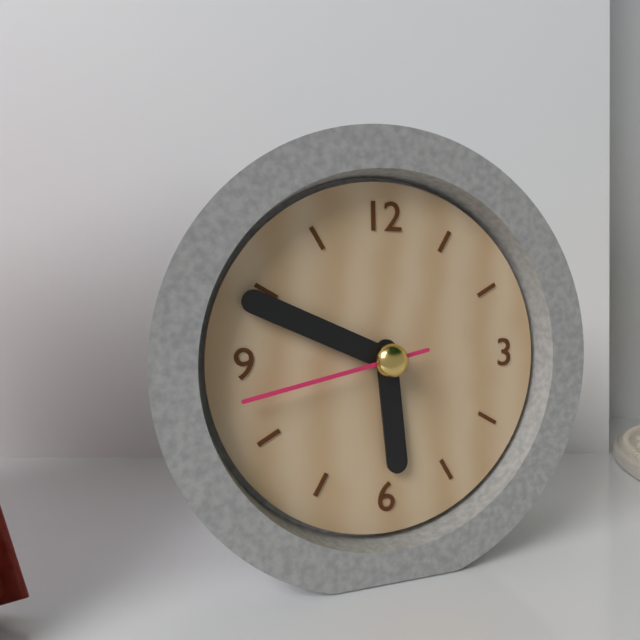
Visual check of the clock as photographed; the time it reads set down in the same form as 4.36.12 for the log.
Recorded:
5.49.43
